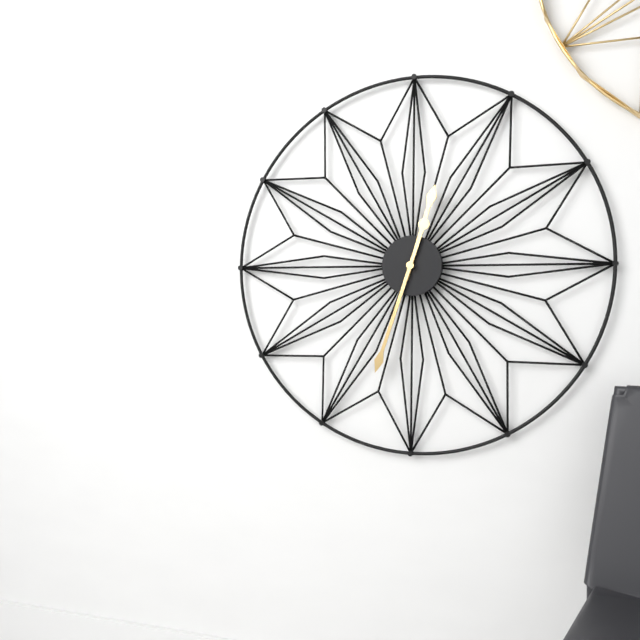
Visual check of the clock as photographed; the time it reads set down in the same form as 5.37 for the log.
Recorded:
12.33
